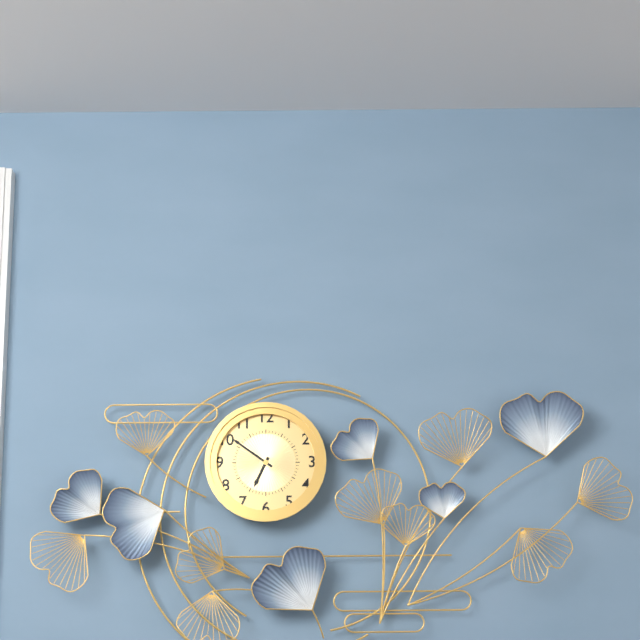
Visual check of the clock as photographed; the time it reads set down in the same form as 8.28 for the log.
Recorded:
6.51
